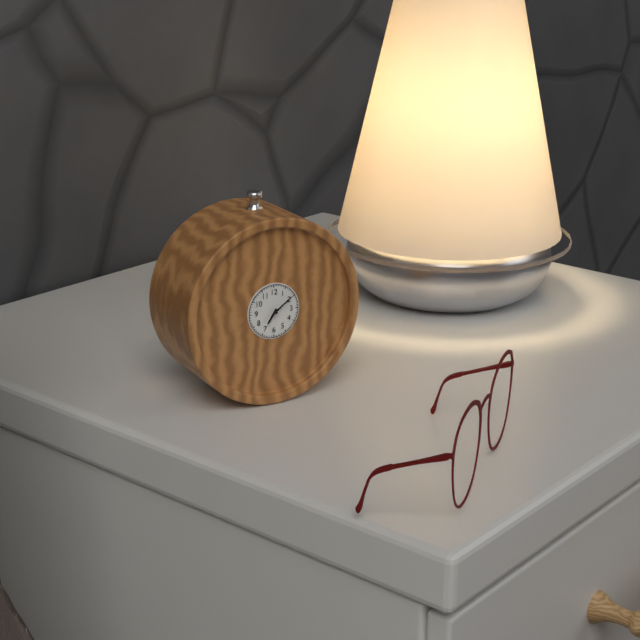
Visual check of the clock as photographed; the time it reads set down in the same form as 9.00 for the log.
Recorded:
7.09
